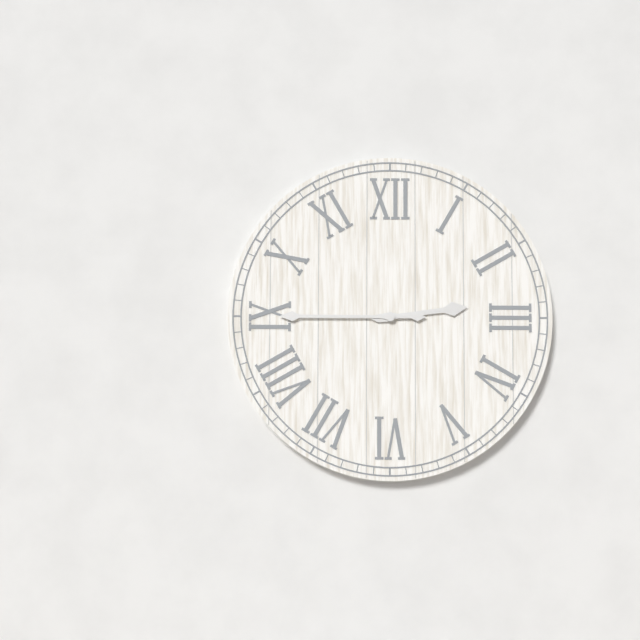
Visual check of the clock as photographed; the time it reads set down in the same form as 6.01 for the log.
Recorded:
2.45
